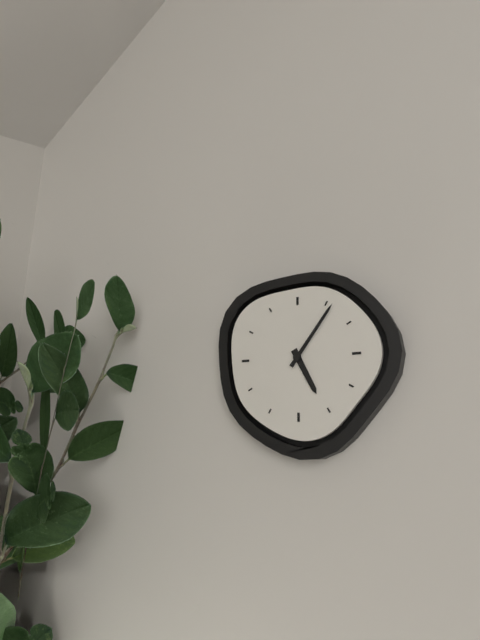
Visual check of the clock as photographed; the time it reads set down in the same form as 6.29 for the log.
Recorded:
5.06
